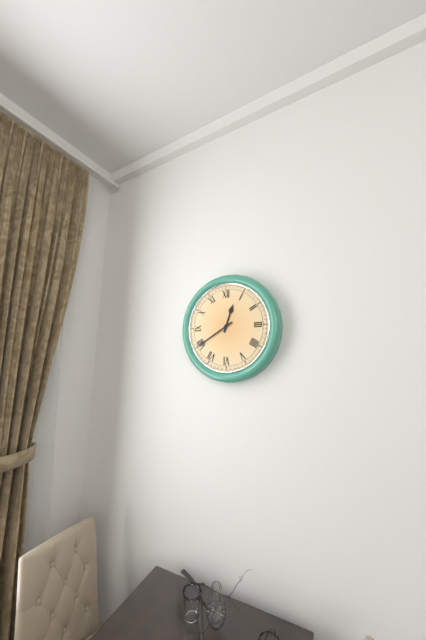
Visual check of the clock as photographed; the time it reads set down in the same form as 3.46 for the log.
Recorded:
12.40
